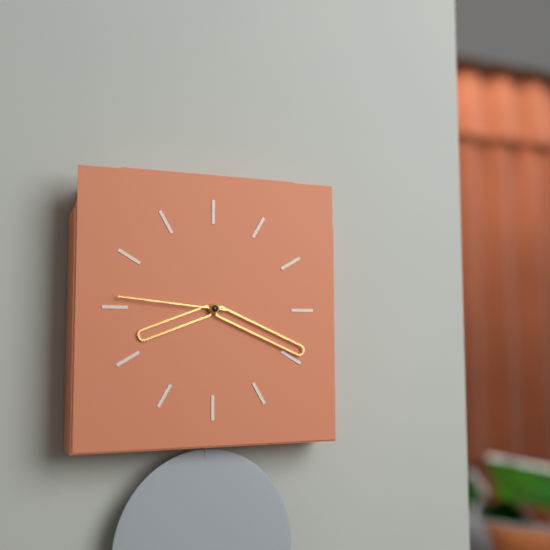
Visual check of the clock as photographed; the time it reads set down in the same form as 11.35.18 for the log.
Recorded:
8.19.46
